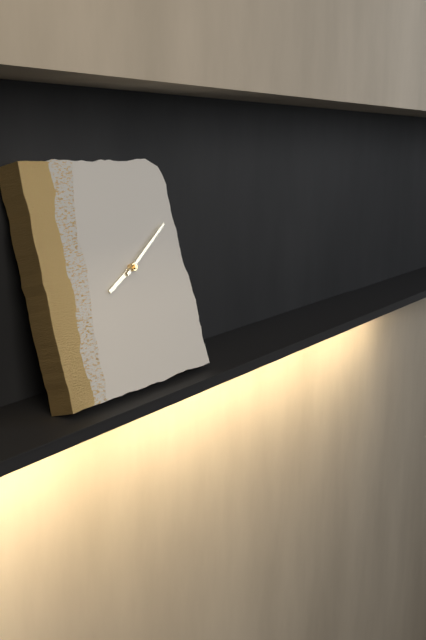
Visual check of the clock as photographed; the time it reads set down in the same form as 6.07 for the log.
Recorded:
8.10
